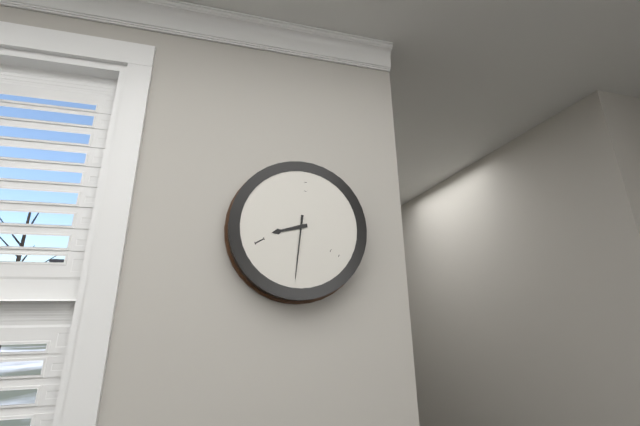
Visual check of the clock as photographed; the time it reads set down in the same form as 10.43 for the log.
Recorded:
8.31
